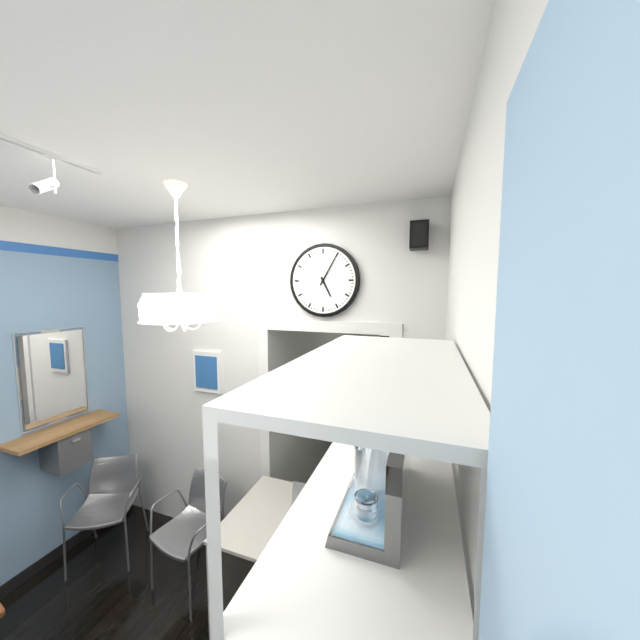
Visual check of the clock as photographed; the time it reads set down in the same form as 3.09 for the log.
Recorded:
5.05
